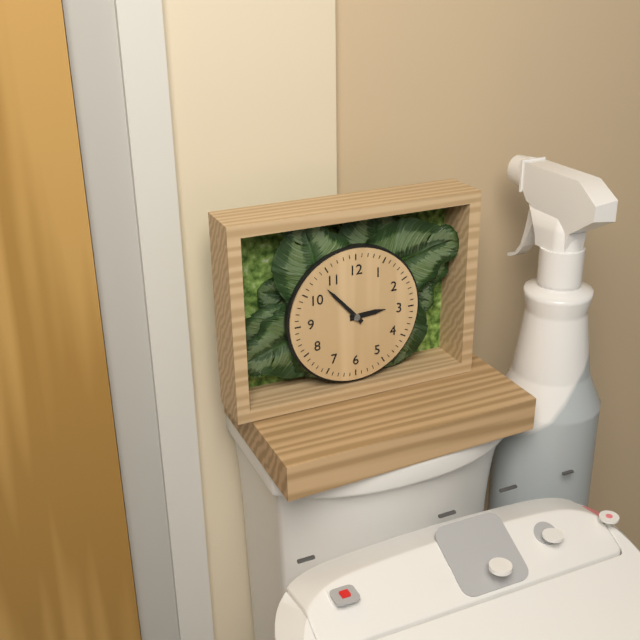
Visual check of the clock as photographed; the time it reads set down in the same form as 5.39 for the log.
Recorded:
2.53
